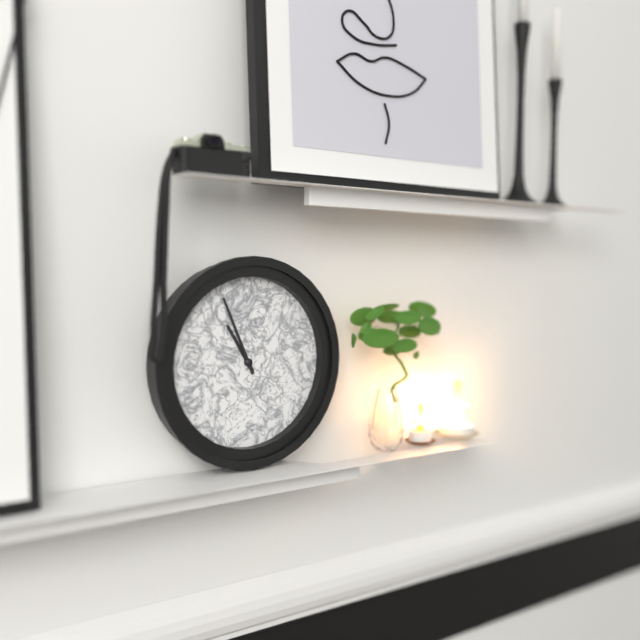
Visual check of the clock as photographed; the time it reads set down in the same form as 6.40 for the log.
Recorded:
10.56
